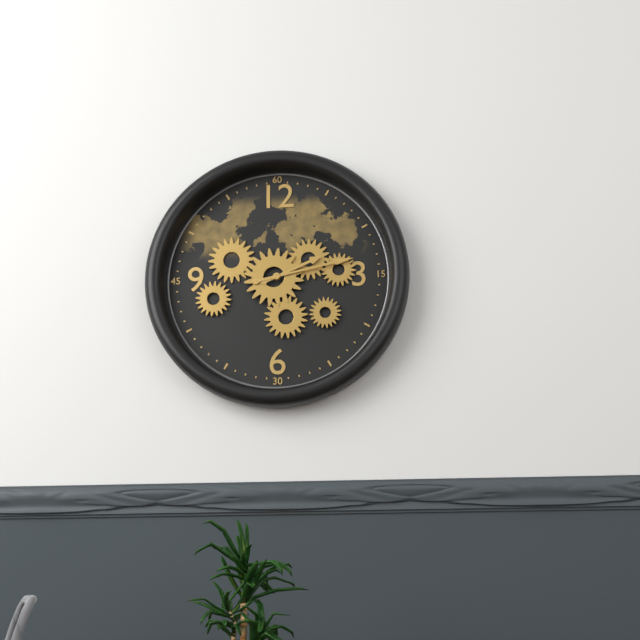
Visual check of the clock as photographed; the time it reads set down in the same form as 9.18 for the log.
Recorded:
2.13
